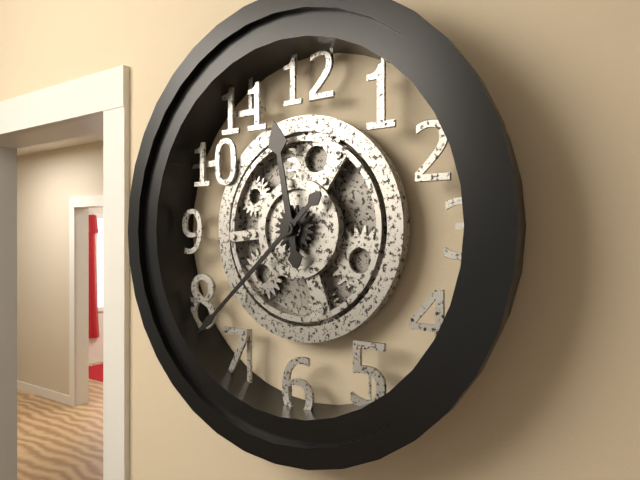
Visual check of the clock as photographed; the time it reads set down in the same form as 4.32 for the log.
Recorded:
11.38
